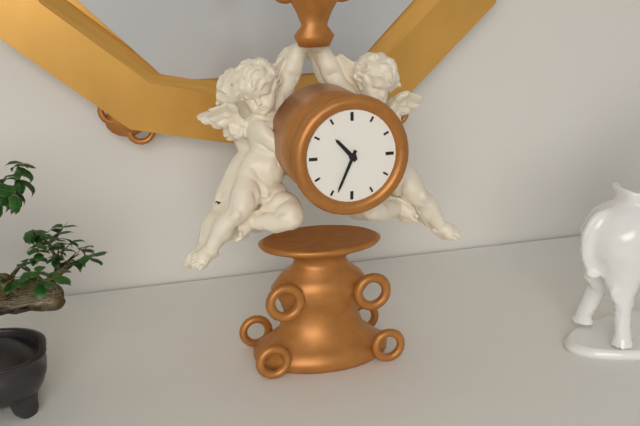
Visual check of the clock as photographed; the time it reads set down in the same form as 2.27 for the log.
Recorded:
10.34
